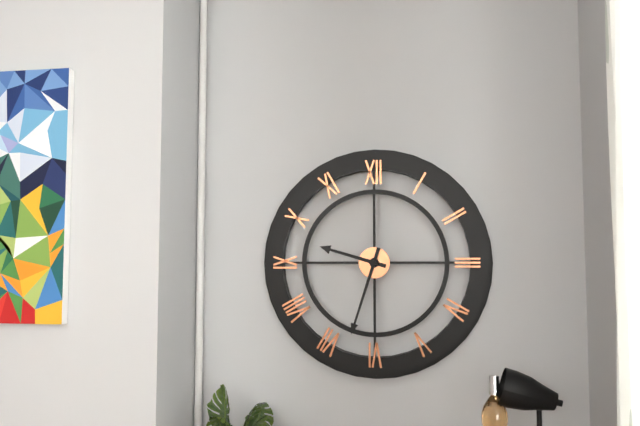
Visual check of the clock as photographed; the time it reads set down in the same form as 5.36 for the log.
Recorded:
9.33
